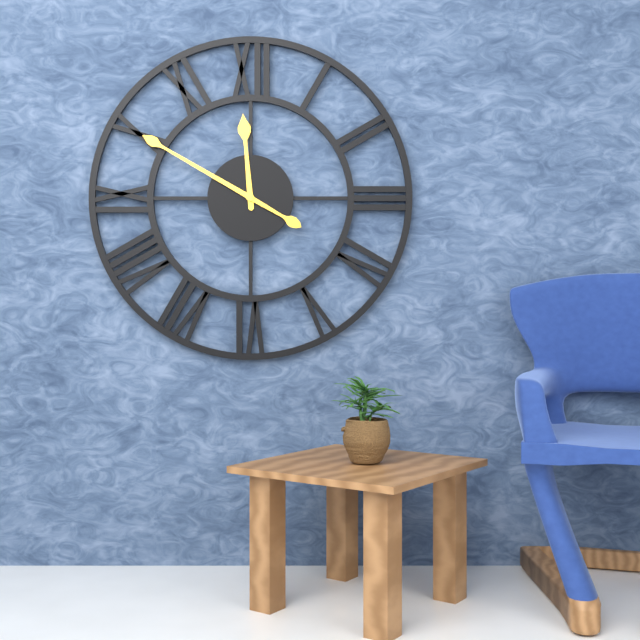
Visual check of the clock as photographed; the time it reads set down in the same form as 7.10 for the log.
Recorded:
11.50
